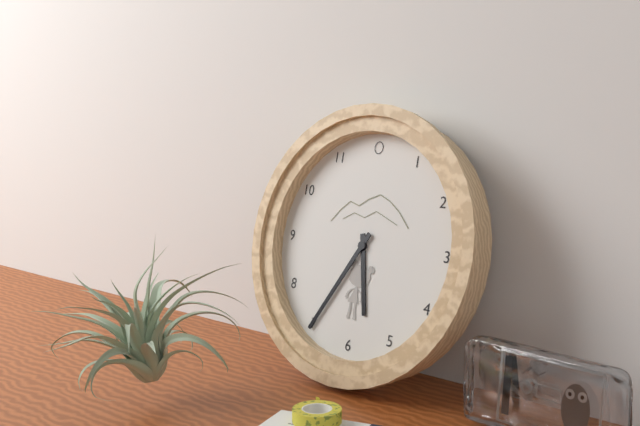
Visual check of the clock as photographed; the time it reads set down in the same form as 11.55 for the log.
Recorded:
5.35
